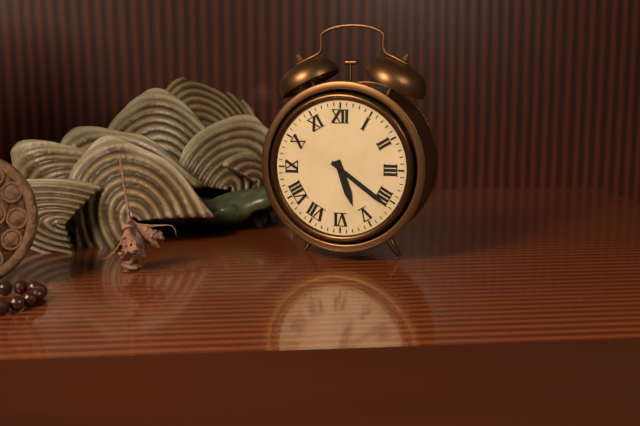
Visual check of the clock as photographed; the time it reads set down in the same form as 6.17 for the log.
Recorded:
5.21
